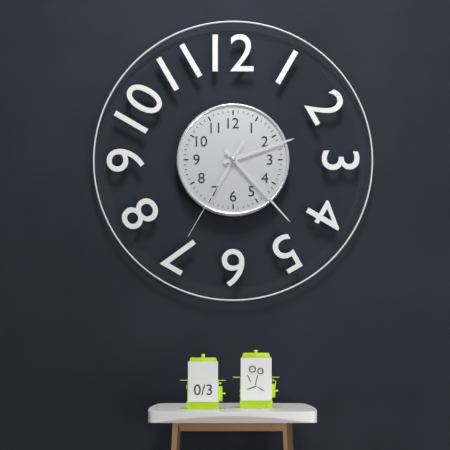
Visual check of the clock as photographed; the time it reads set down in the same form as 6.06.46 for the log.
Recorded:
2.23.35
